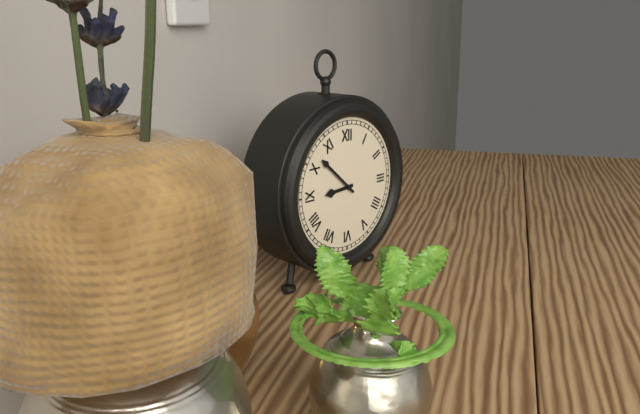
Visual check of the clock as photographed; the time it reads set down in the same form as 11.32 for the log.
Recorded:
8.52
